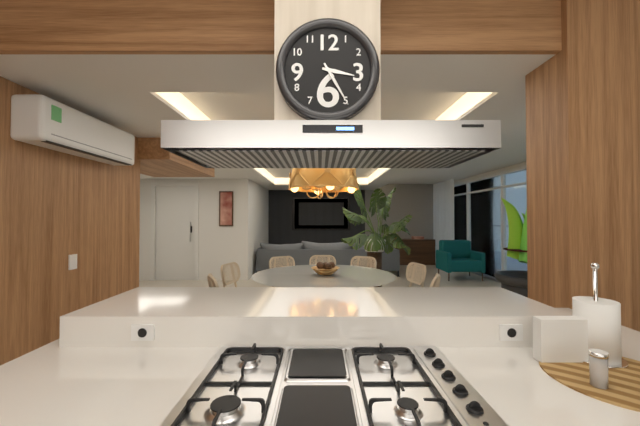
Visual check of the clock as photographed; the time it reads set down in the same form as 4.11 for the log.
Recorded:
3.25
